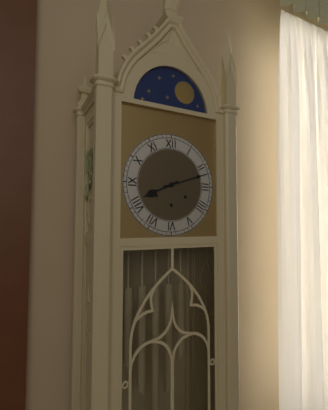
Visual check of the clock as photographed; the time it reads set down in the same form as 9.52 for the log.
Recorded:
8.12
